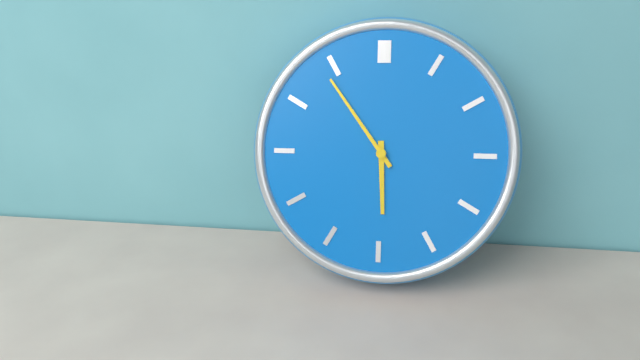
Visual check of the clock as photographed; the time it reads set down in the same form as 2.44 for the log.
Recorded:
5.54
